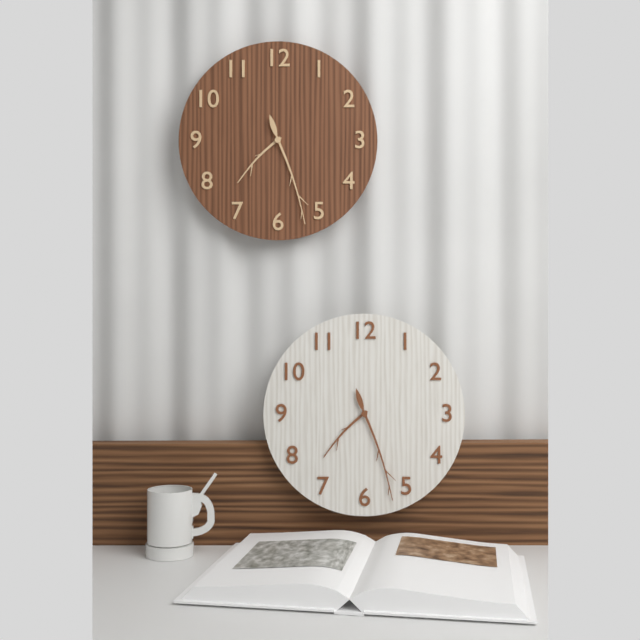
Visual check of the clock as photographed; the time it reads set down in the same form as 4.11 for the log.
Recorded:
7.27
